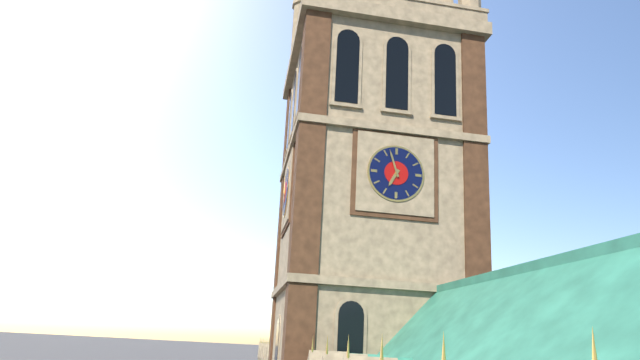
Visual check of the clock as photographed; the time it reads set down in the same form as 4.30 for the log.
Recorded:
6.57
